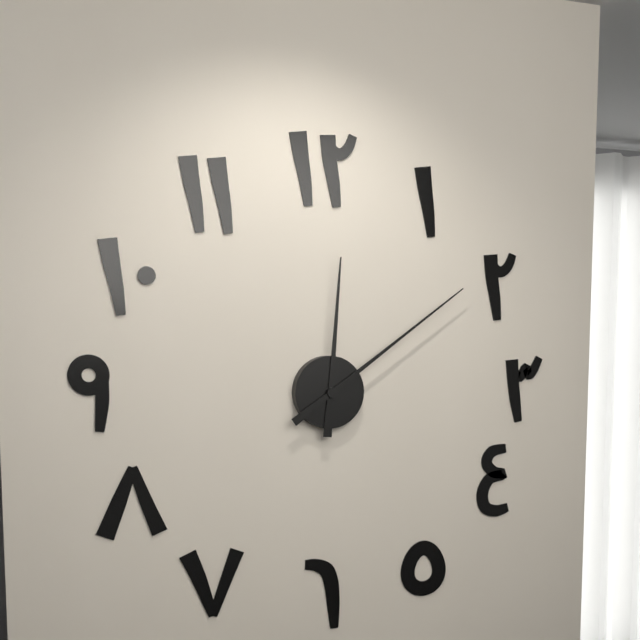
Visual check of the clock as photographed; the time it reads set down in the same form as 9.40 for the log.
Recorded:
12.09
